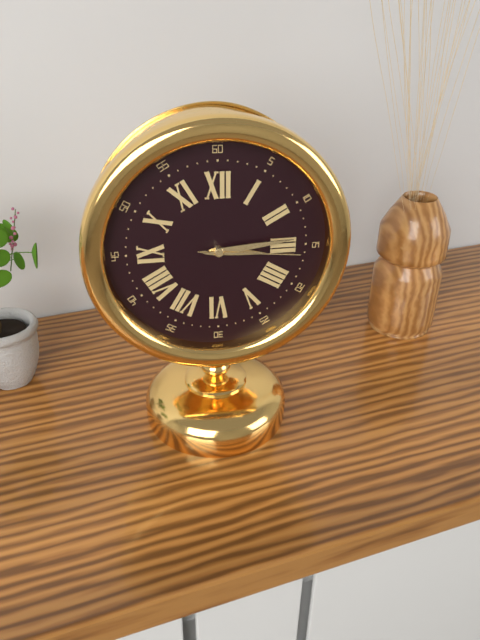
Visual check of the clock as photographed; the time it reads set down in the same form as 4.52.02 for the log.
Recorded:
3.14.16
